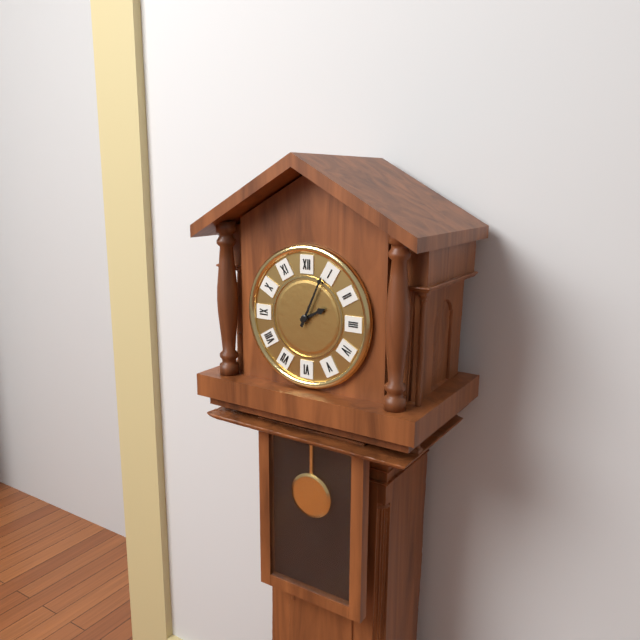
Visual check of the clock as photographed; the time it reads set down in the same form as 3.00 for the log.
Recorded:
2.04
